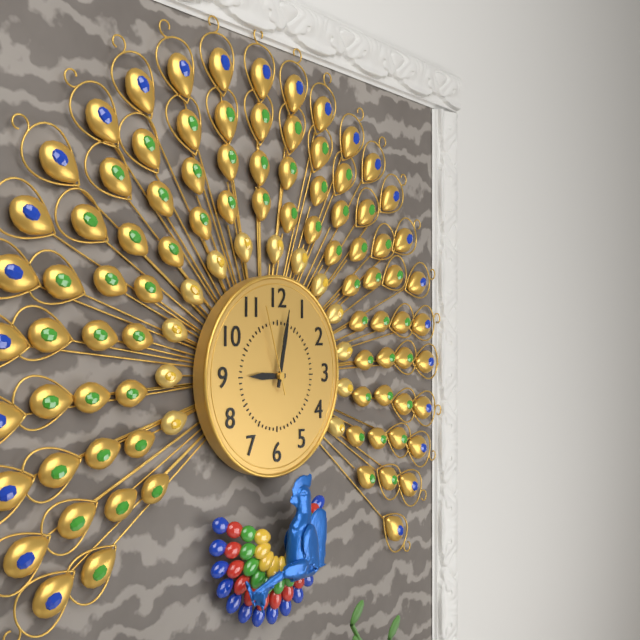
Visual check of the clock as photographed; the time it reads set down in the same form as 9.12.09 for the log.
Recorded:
9.02.57
